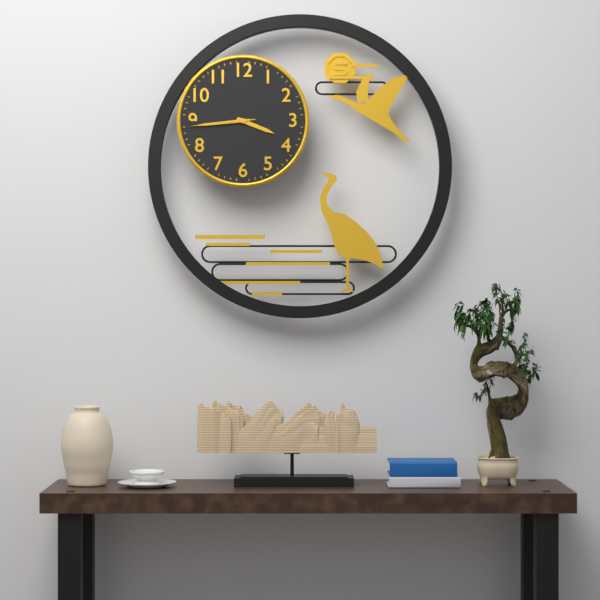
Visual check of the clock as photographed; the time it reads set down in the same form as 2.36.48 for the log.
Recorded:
3.44.44
